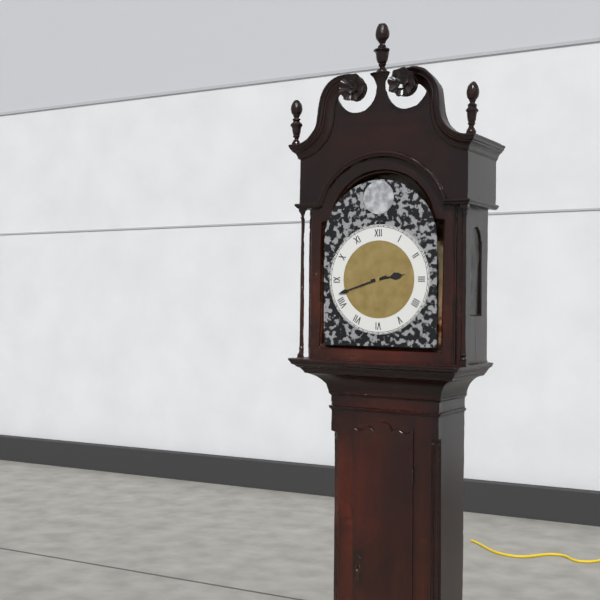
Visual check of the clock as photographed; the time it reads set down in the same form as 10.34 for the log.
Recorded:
2.42
